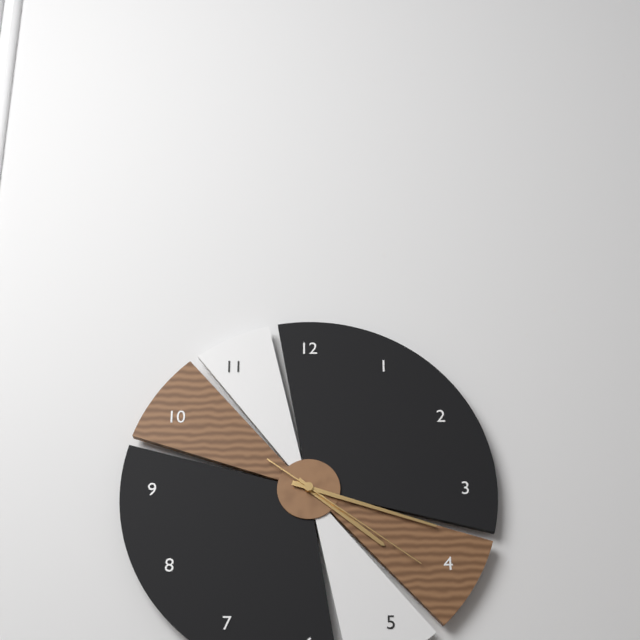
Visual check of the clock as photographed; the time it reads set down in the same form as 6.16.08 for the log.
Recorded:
4.18.21
